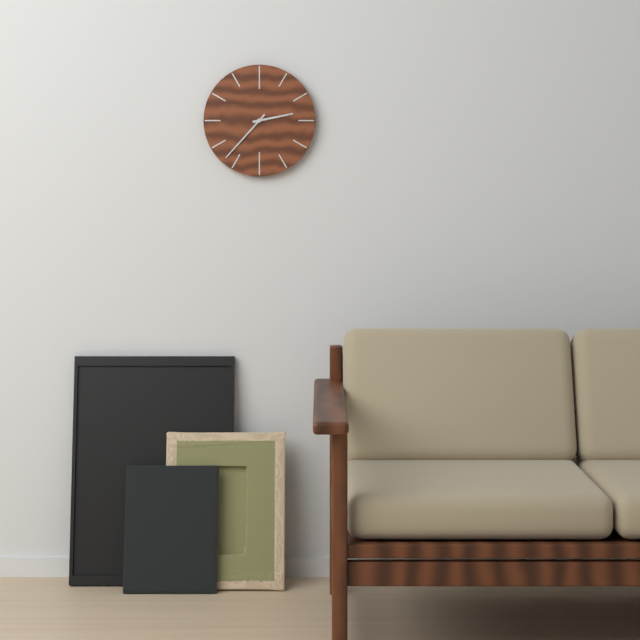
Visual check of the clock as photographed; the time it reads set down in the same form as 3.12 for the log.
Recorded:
2.37
